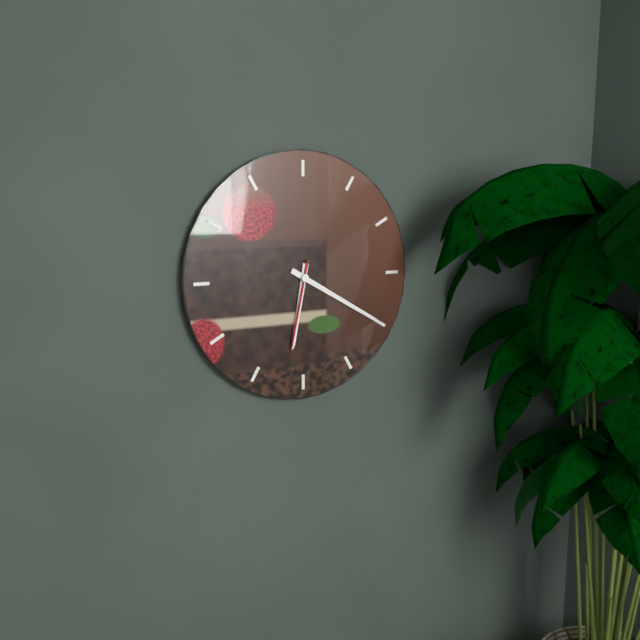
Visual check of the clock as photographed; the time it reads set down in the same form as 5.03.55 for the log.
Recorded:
6.20.32
